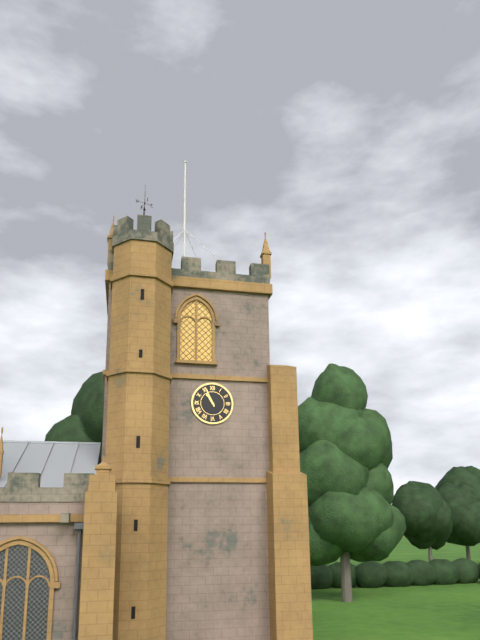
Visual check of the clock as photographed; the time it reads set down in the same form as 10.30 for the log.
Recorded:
10.56
